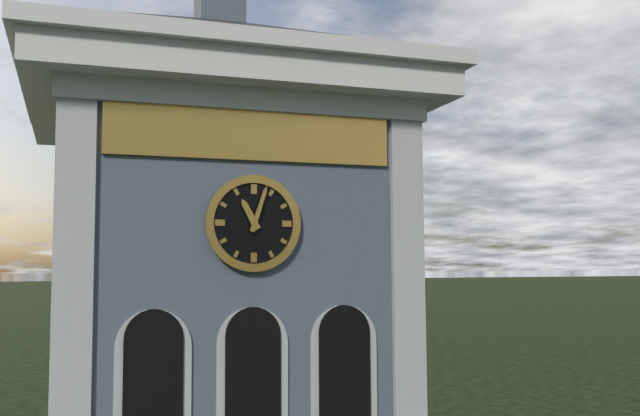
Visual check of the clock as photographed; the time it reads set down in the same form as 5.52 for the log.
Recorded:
11.03
